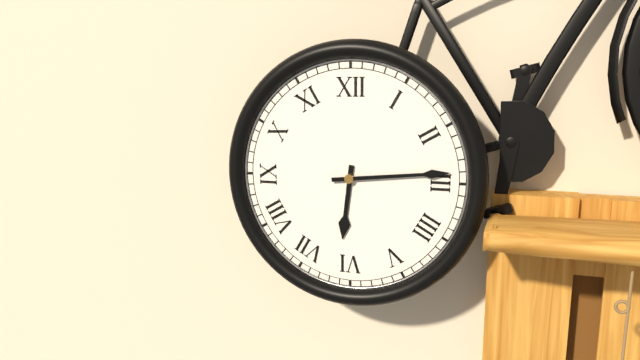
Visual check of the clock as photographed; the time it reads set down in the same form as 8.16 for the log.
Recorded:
6.14
